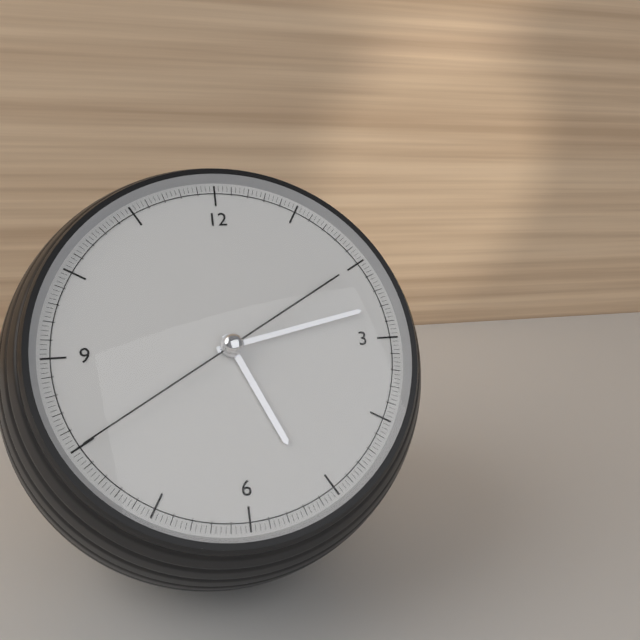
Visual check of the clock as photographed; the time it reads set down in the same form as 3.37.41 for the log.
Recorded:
5.13.40
